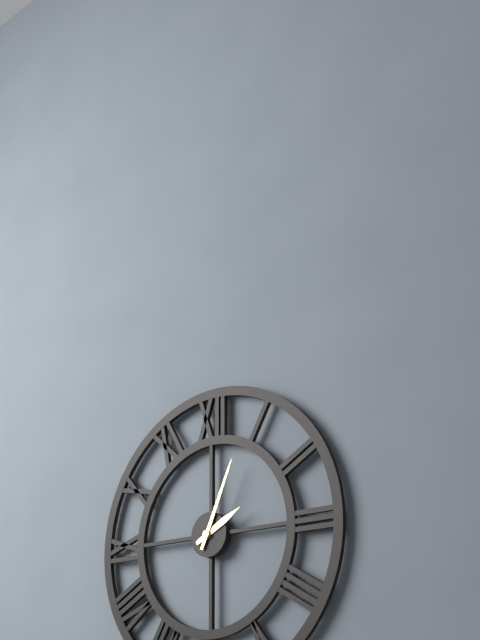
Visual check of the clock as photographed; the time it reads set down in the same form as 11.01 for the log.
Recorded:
2.04
